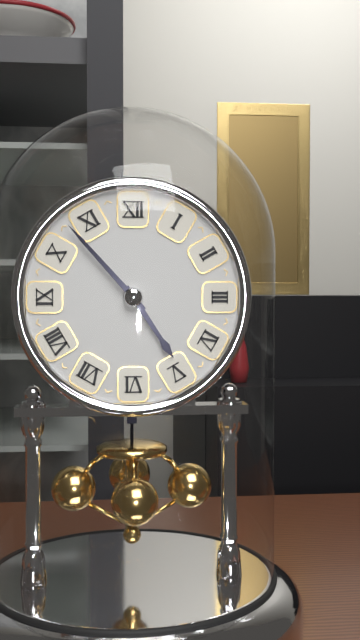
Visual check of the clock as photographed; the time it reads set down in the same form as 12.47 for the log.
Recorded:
4.53
